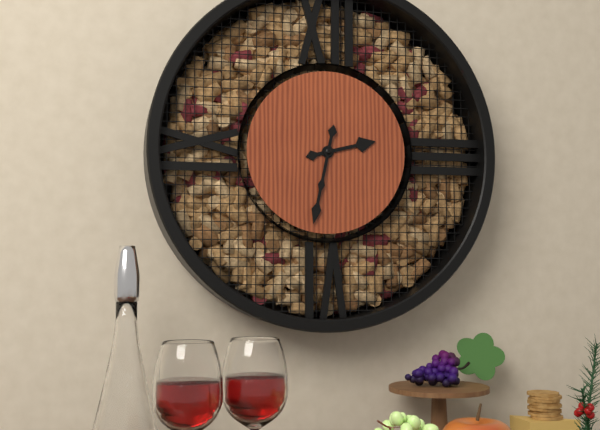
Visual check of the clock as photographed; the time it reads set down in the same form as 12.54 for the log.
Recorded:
2.32
